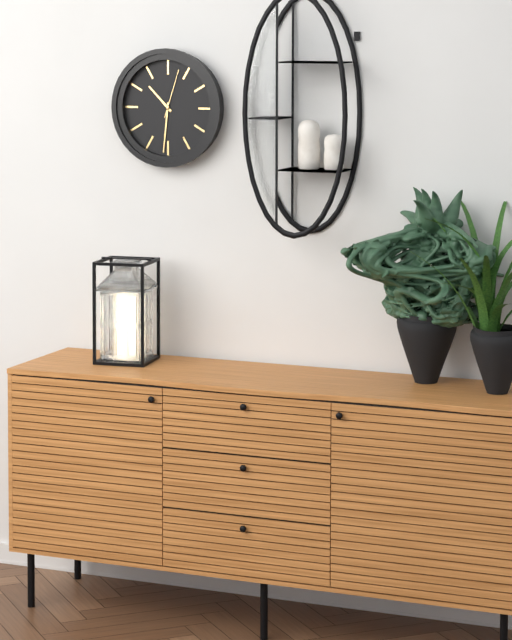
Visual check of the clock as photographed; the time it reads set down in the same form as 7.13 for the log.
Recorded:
10.31
